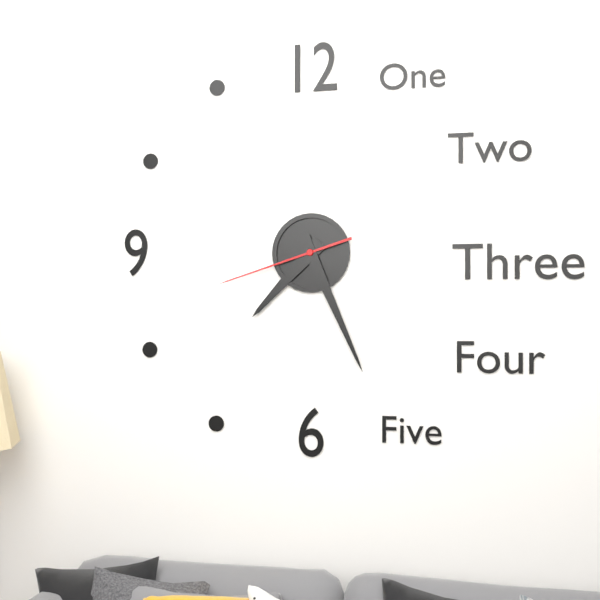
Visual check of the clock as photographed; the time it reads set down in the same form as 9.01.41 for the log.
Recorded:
7.26.42
